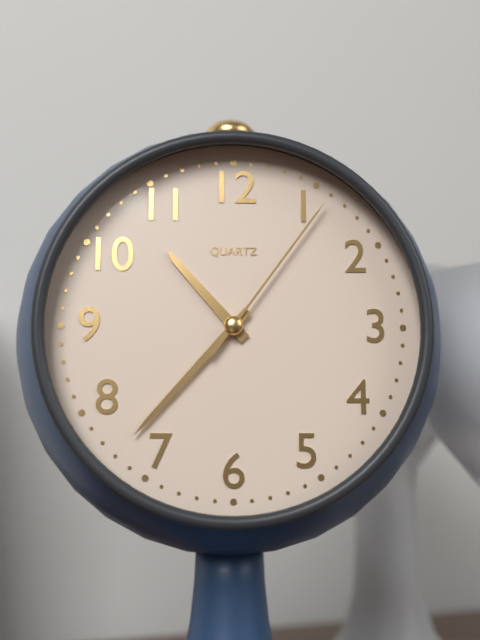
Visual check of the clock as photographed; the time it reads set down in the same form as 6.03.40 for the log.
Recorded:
10.37.06
